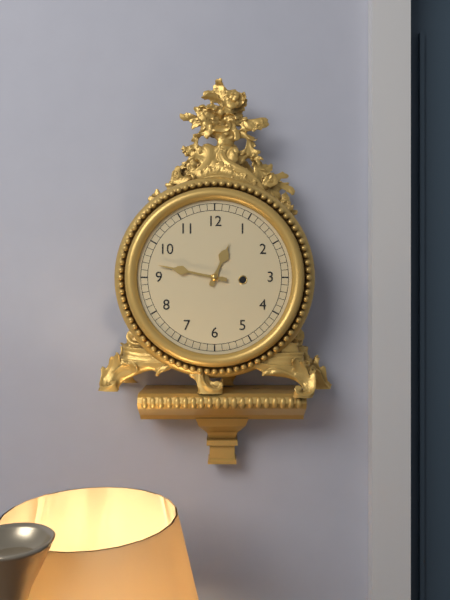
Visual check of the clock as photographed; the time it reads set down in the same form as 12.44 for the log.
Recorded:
12.47
